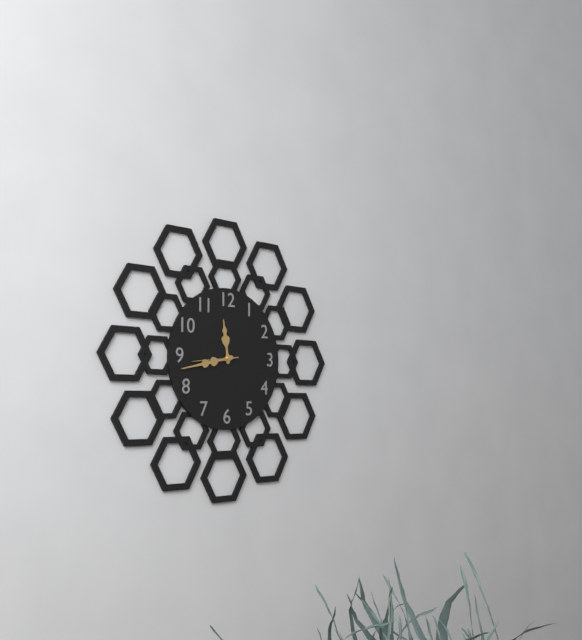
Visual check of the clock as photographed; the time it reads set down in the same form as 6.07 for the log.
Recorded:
11.43
